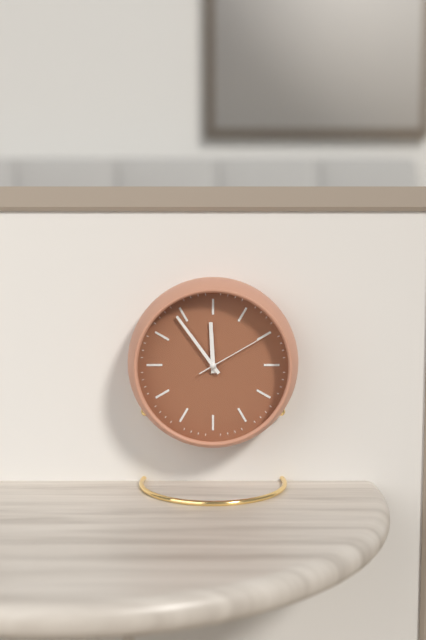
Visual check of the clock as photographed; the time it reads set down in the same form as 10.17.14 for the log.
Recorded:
11.54.10
